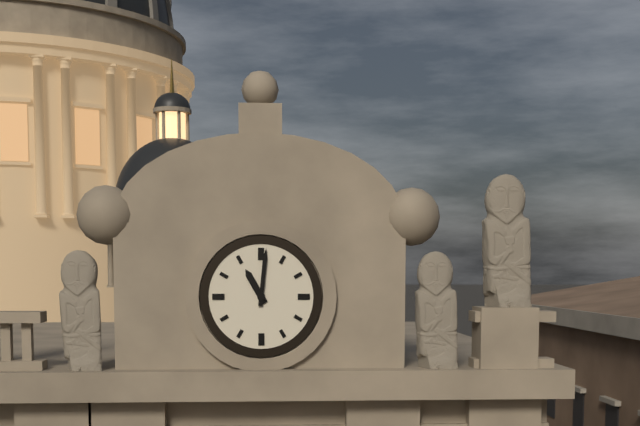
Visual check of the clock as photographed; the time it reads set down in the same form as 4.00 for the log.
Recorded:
11.01
